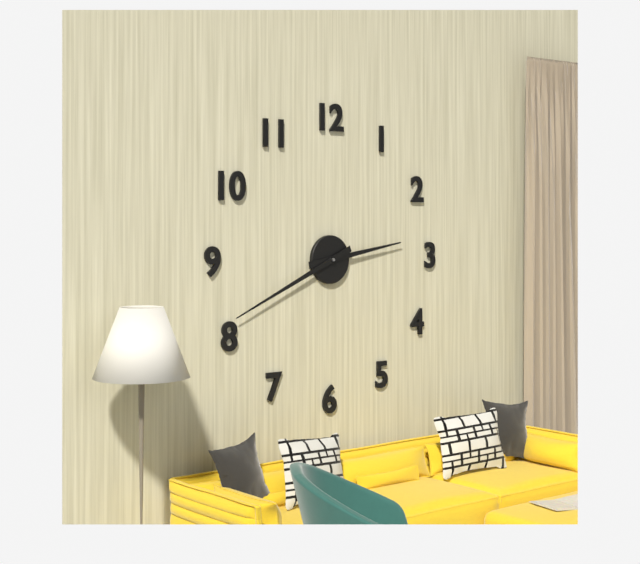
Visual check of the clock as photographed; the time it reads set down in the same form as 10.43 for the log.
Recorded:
2.41
